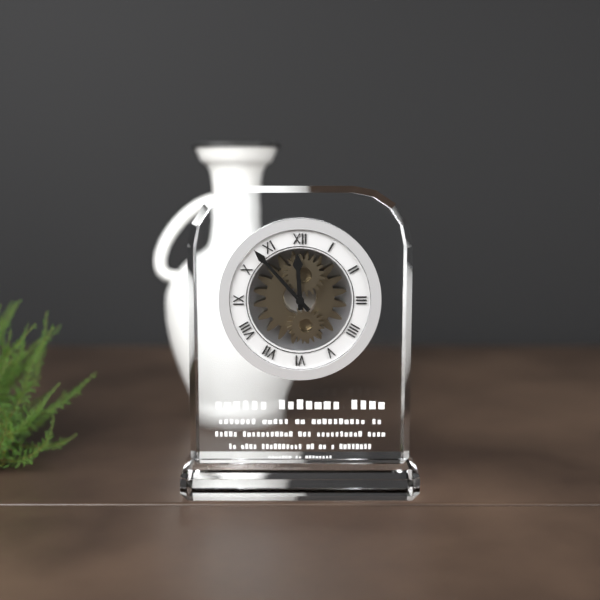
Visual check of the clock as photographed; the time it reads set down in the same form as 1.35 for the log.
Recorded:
11.53
